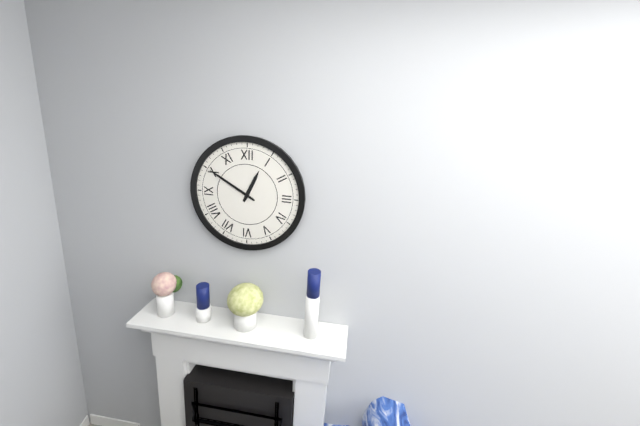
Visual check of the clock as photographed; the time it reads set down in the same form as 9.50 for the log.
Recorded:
12.50
